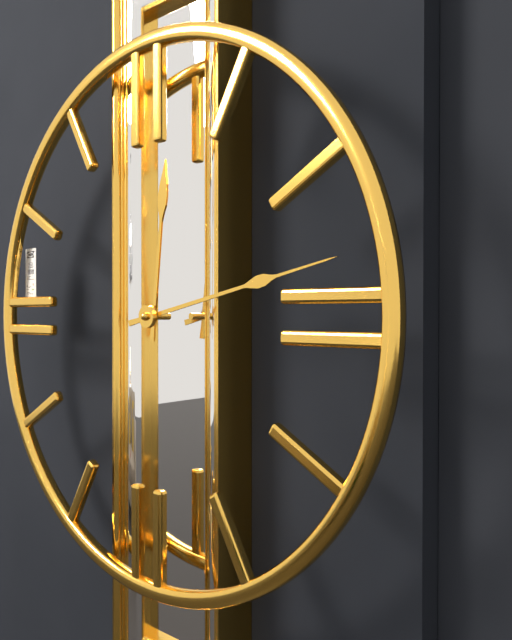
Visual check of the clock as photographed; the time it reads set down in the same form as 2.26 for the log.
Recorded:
12.13
